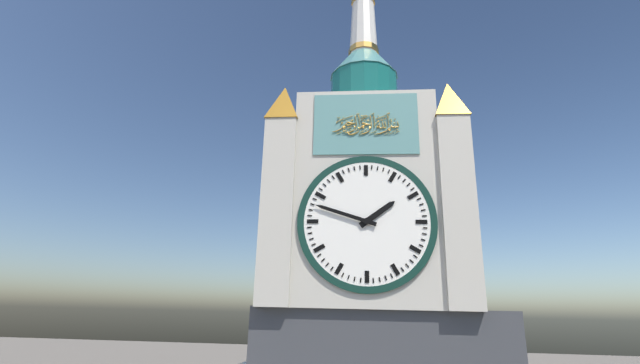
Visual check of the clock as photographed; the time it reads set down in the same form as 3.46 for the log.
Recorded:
1.48
